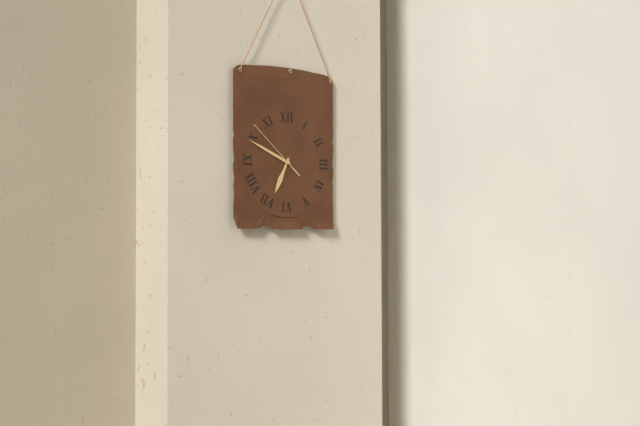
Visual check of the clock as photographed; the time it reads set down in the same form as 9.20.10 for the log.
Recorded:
6.49.52
